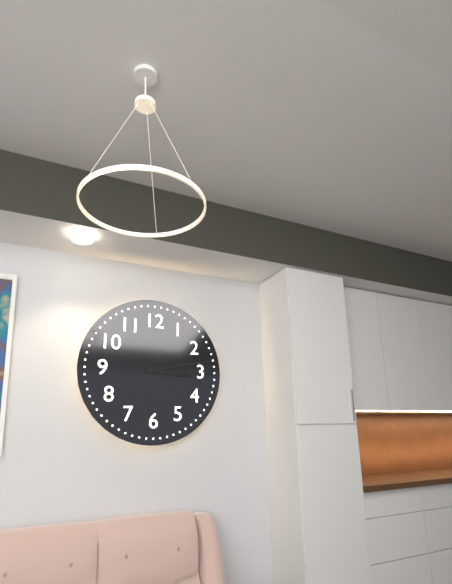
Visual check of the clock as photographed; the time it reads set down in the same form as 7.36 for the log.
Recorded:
3.13
